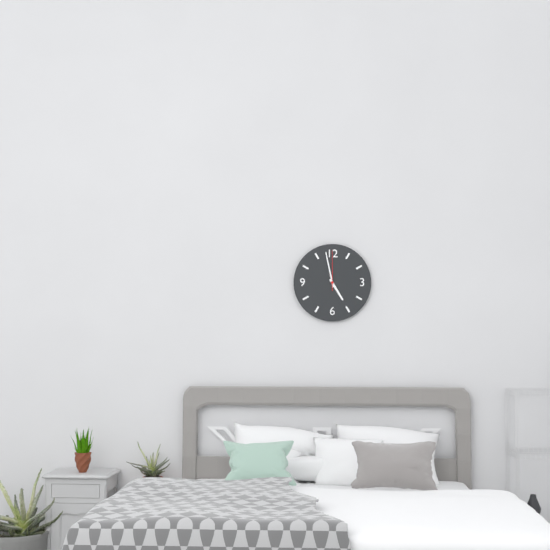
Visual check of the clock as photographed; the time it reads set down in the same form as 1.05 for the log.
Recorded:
4.58
